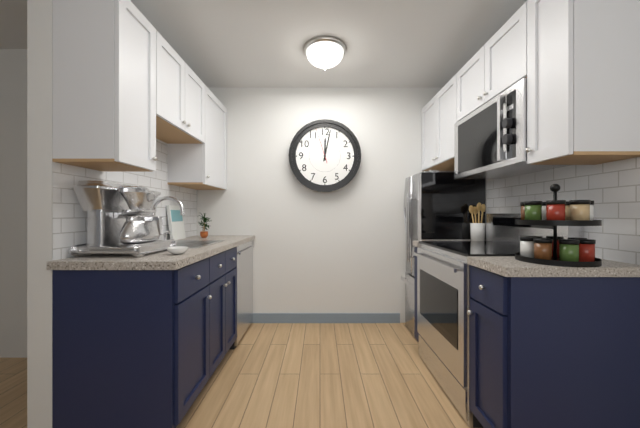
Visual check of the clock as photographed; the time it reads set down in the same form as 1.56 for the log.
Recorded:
12.02
